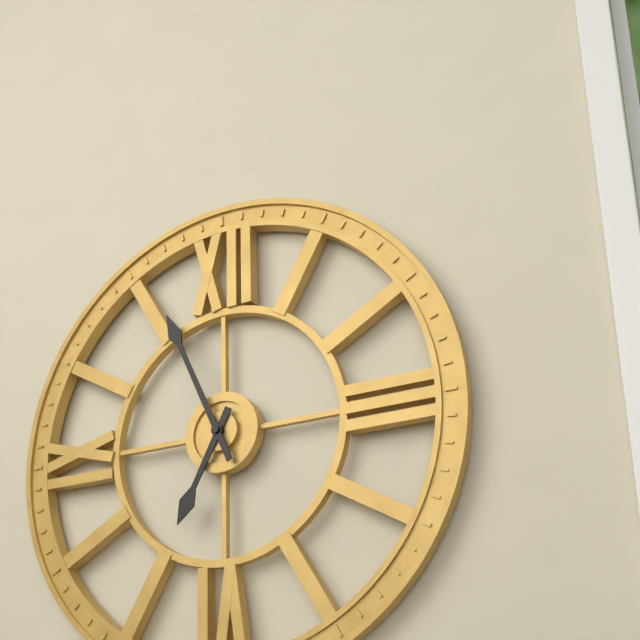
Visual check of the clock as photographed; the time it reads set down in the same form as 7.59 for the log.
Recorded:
6.56
